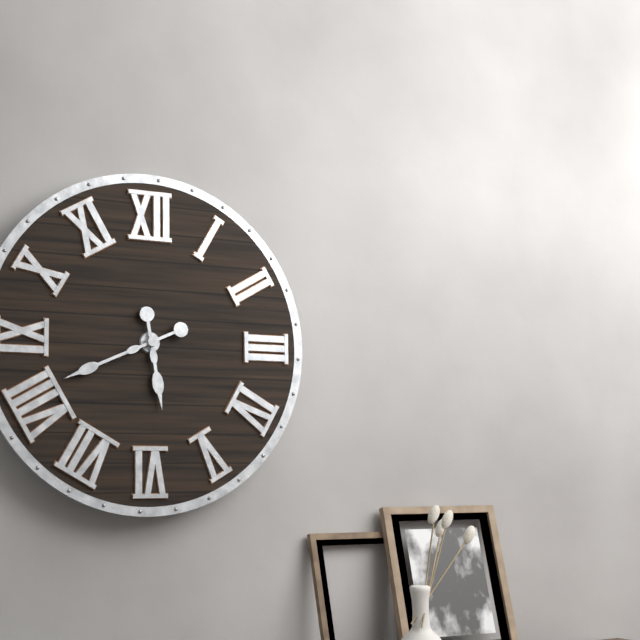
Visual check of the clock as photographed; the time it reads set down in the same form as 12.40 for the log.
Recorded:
5.41
